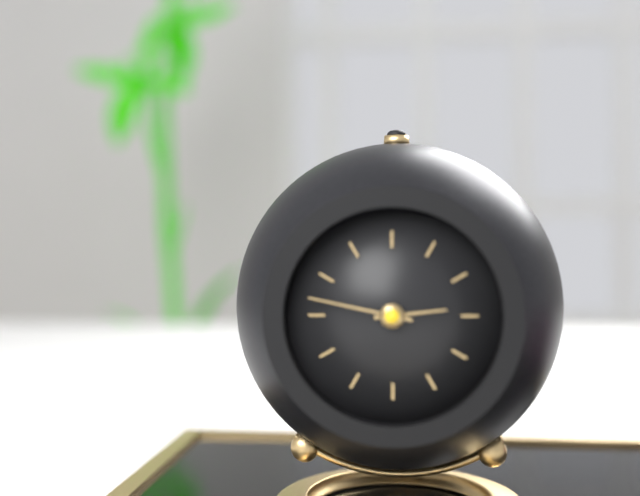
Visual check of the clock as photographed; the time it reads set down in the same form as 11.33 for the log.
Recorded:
2.47
